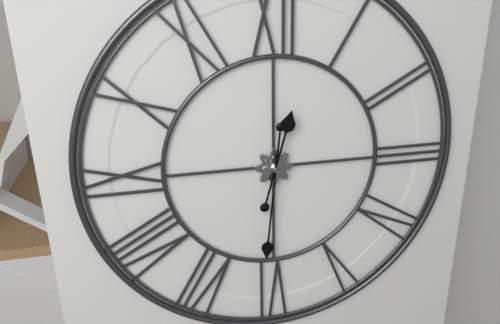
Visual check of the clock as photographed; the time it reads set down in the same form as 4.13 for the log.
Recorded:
12.31
